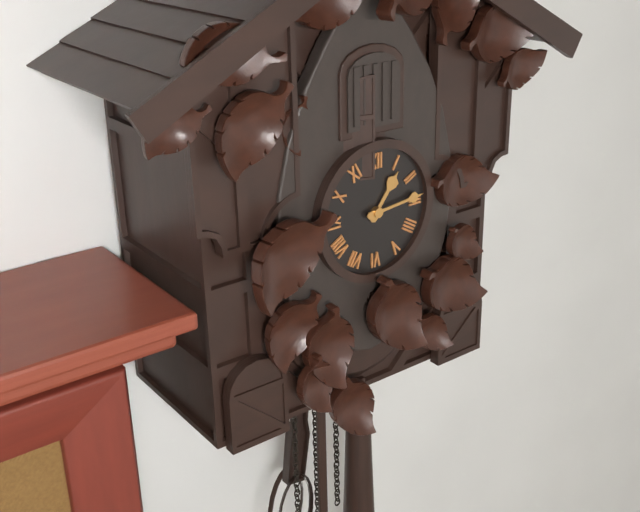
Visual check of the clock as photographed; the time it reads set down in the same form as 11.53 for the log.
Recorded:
1.14
